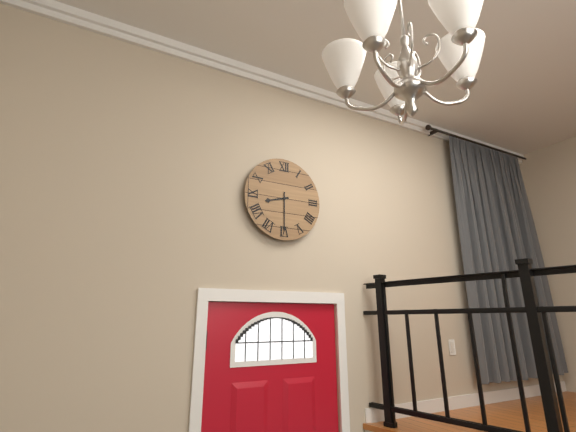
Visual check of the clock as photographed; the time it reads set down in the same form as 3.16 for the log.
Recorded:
8.30
